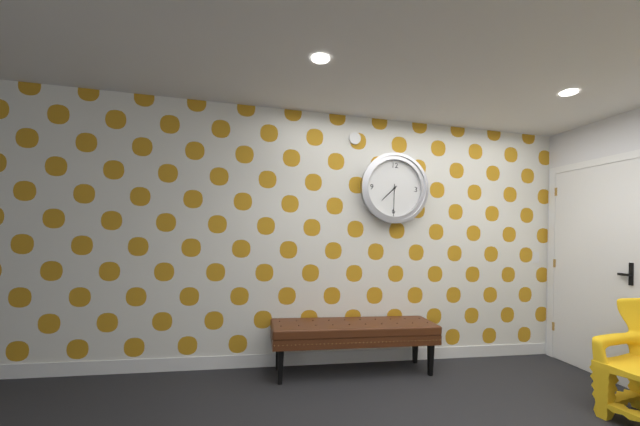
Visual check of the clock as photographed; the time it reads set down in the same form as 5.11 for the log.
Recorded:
7.30
